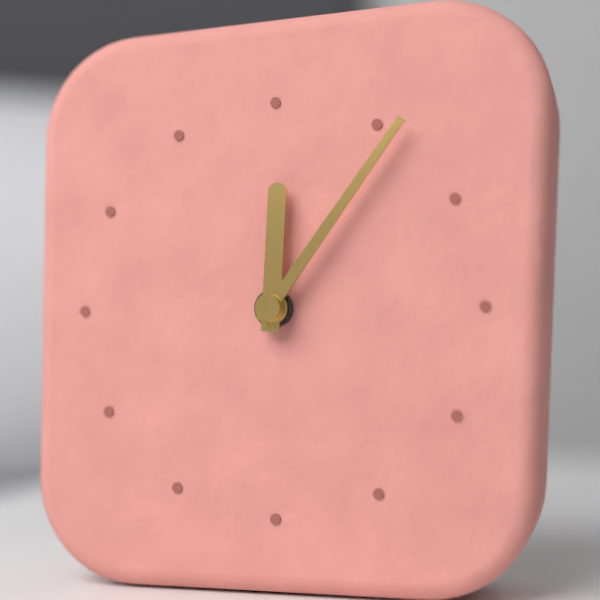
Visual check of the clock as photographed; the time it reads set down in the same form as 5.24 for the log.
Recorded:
12.06
